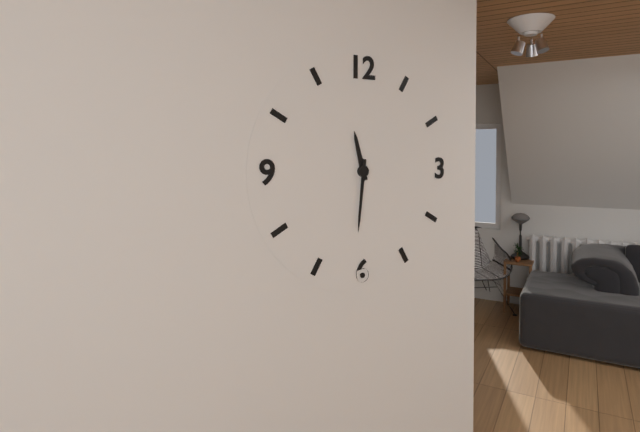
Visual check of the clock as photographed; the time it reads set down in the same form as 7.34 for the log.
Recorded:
11.31
